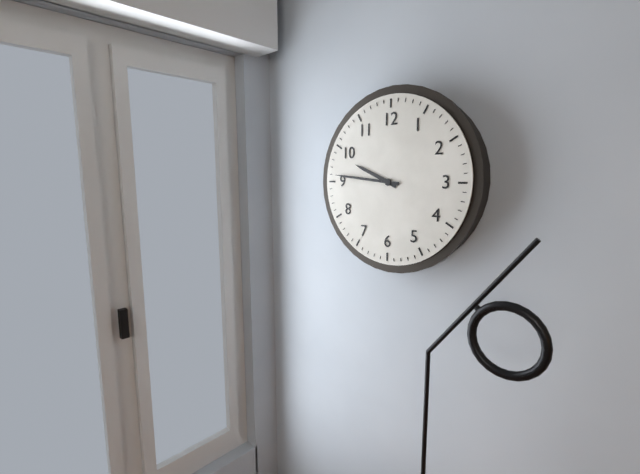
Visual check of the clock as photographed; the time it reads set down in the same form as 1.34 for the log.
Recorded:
9.46
